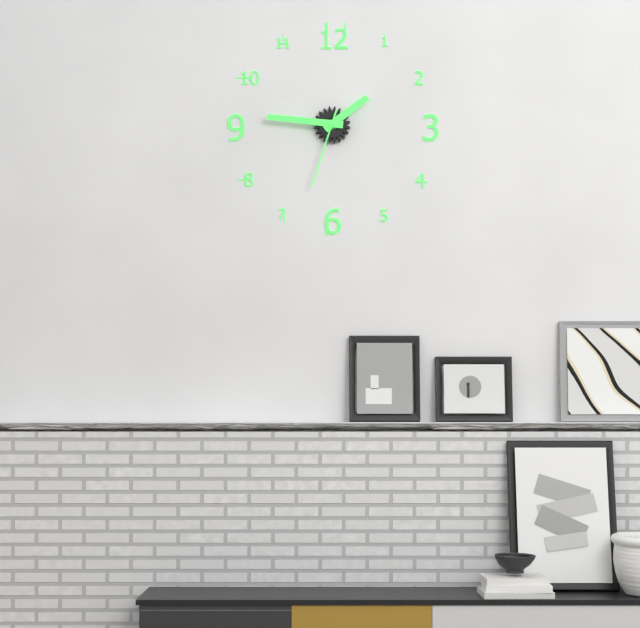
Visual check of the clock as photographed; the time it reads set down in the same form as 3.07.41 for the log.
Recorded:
1.46.33
